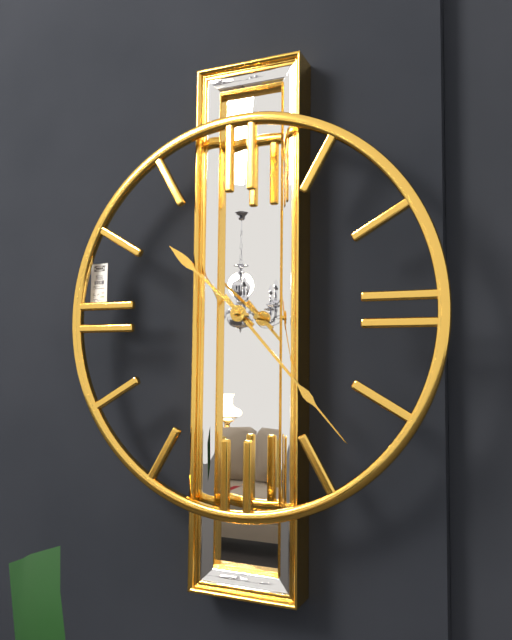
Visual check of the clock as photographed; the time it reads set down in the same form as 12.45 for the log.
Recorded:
10.23
